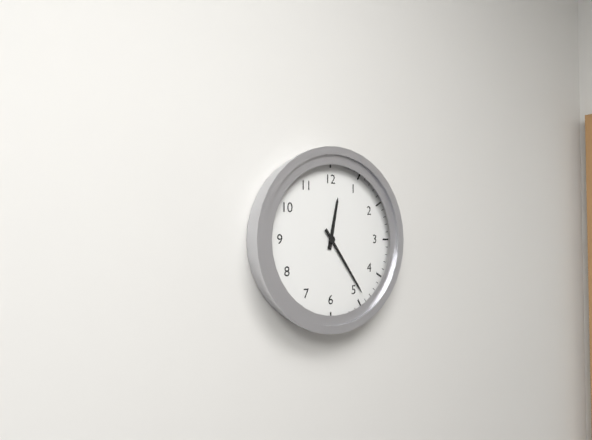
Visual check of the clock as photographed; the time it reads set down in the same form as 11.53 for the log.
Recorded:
12.24
